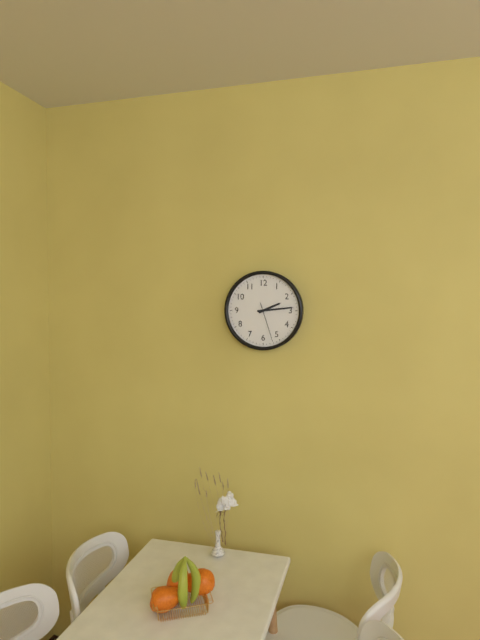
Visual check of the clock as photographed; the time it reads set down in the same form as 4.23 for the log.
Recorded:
2.14
